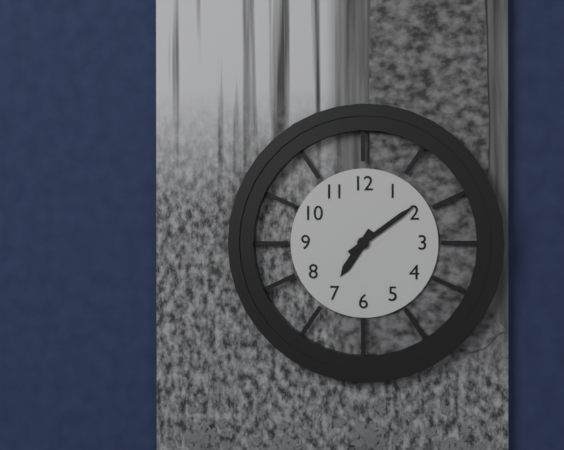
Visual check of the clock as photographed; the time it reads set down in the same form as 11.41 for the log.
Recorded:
7.09
